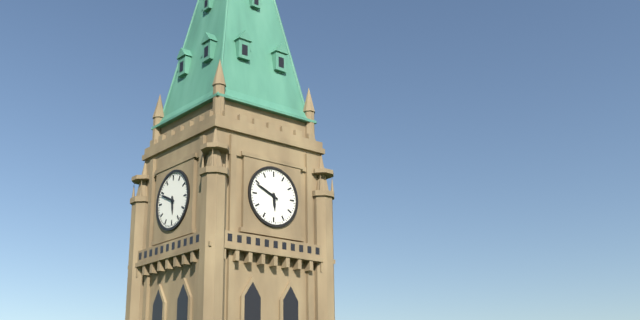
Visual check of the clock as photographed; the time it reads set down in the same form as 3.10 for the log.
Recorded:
5.49
